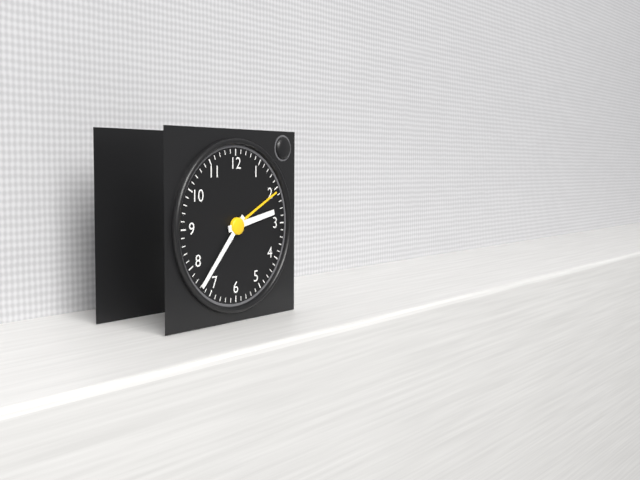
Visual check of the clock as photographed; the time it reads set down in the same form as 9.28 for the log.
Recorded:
2.37
